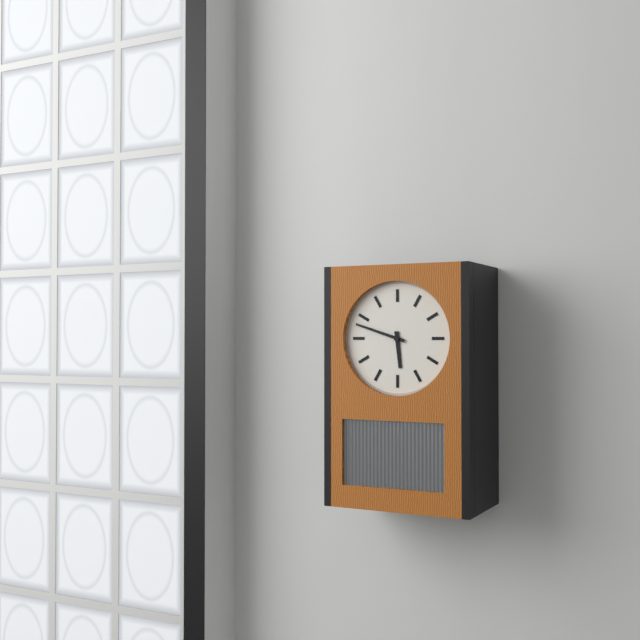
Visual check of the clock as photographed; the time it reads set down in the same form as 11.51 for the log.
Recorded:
5.48
